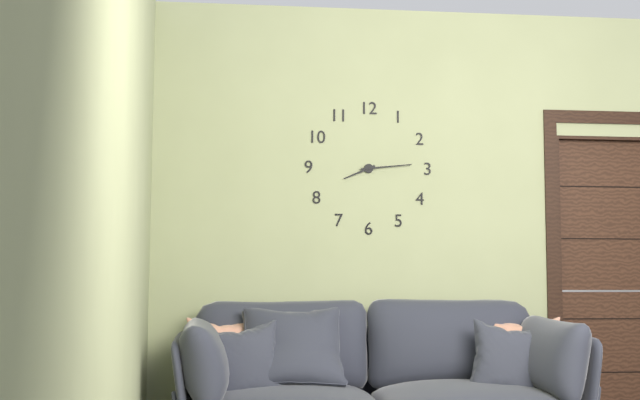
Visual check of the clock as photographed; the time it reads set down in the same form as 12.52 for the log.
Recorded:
8.14
